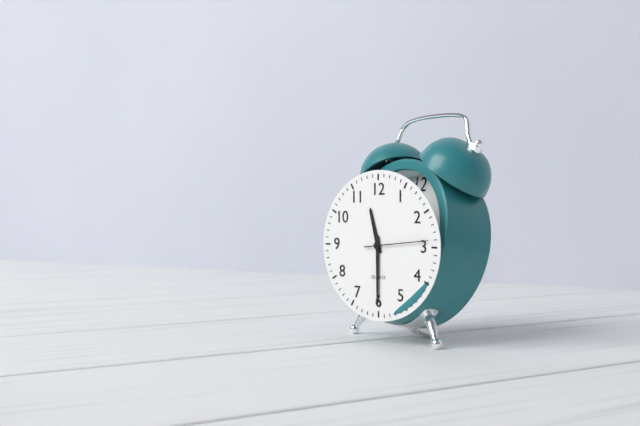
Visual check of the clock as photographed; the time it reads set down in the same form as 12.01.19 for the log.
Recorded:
11.30.14
